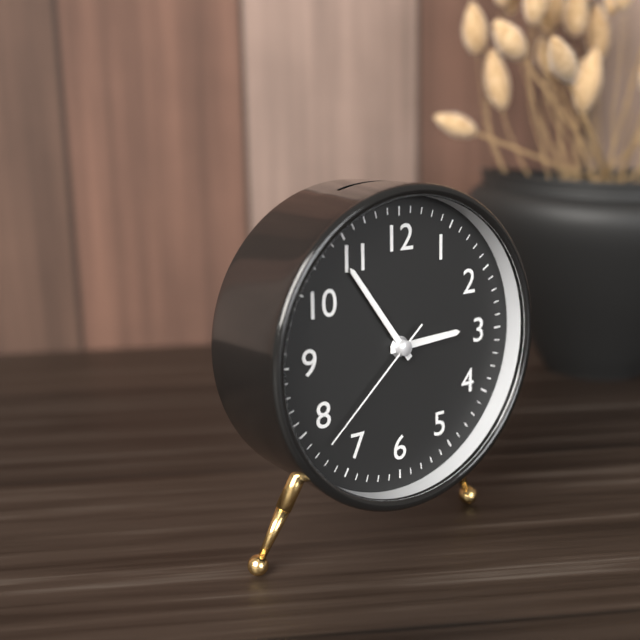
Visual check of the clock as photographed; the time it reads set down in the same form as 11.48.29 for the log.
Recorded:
2.54.38
